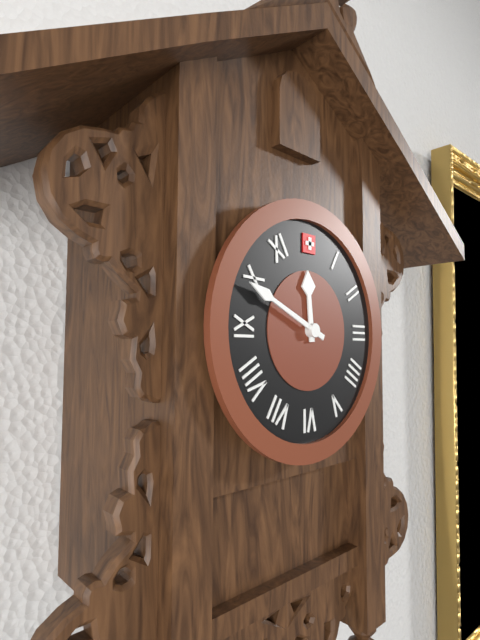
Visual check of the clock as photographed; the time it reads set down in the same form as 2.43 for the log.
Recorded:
11.49
